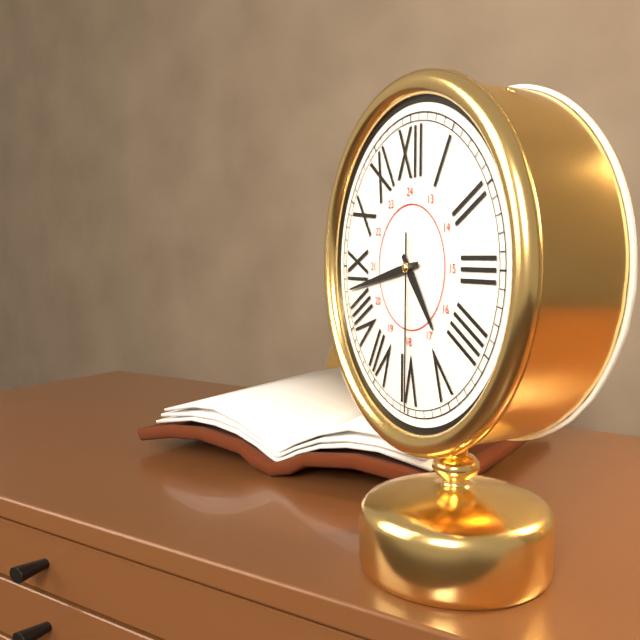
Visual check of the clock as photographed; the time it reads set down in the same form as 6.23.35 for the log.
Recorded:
4.43.30
